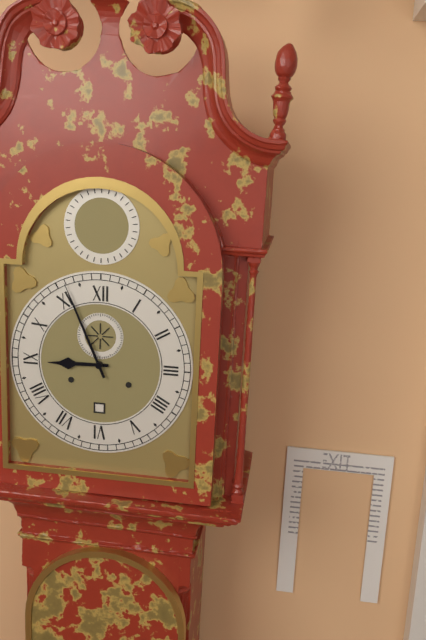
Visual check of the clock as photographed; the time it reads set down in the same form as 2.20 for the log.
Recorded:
8.56
